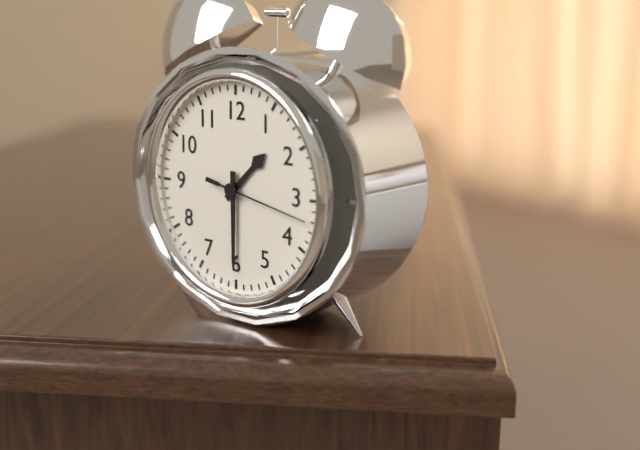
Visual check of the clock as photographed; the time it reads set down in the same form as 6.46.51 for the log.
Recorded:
1.30.17
